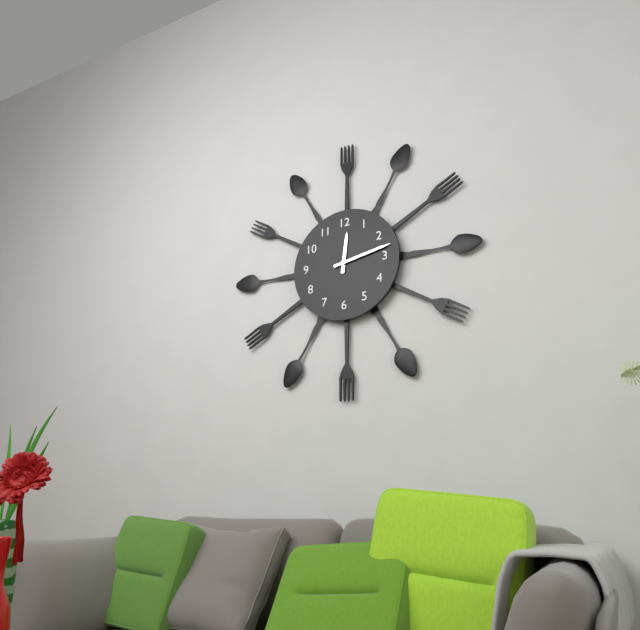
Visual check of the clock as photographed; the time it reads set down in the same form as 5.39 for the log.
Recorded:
12.13
